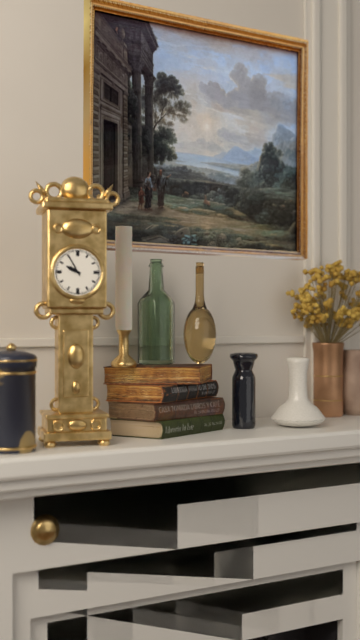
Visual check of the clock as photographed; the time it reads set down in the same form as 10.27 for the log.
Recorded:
9.55
